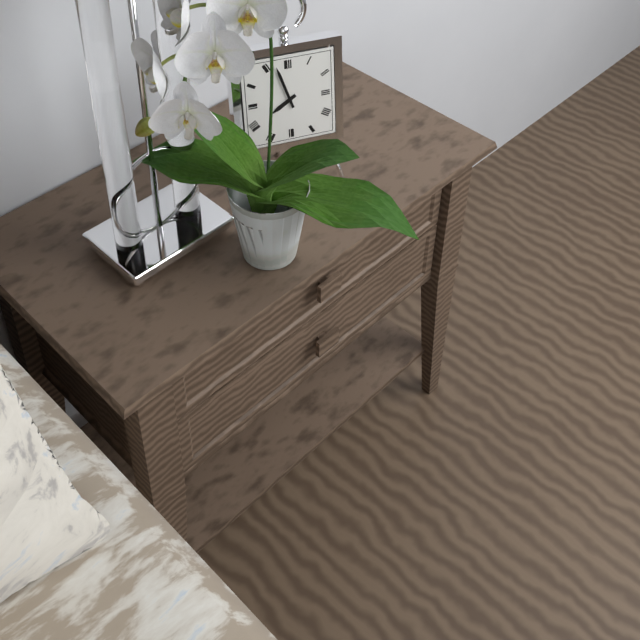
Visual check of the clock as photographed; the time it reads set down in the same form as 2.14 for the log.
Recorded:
7.57
